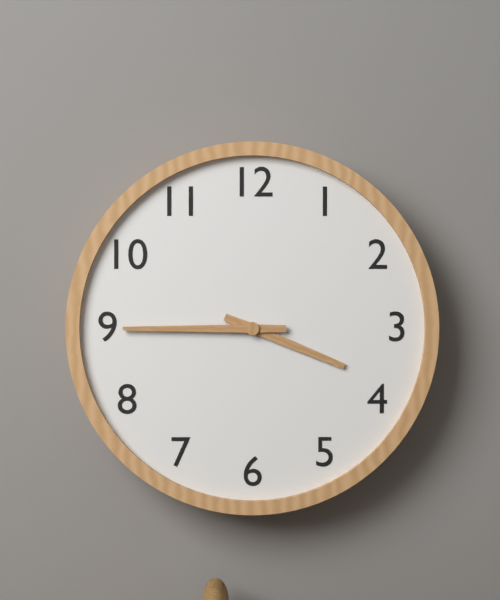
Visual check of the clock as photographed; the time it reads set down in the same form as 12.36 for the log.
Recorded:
3.45
